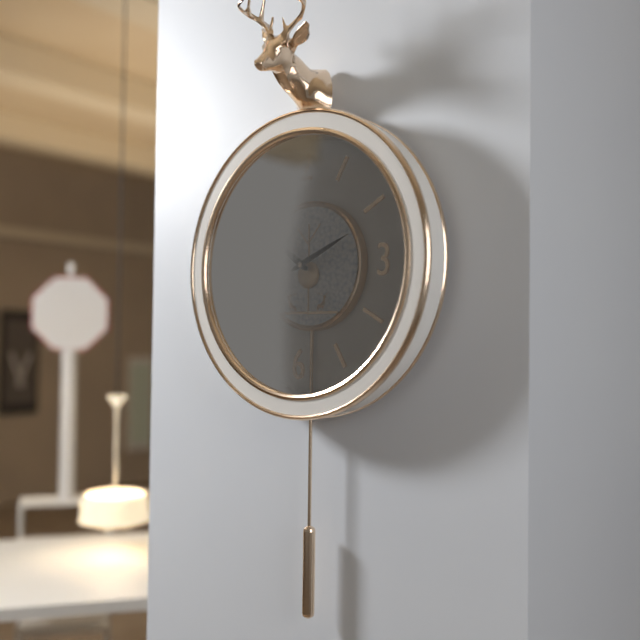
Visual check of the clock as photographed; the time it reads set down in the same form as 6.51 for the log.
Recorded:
10.11
